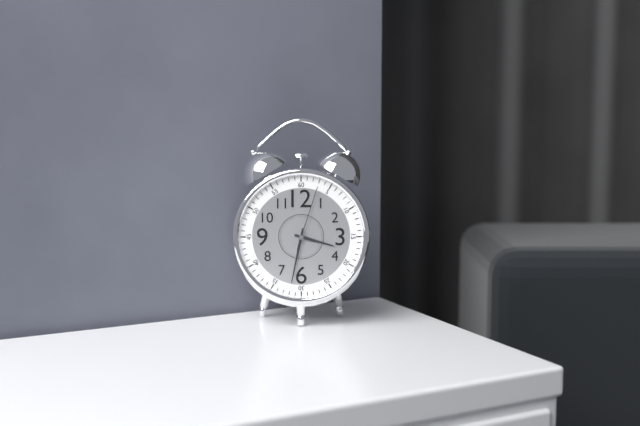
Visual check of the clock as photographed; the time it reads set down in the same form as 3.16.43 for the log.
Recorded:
3.32.03
